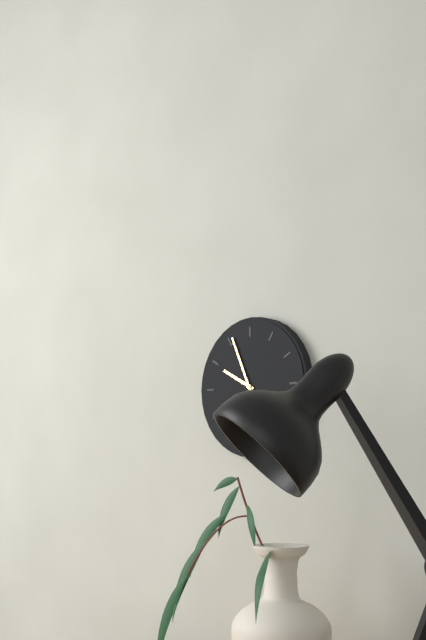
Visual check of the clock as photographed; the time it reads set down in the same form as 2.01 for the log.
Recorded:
9.56
